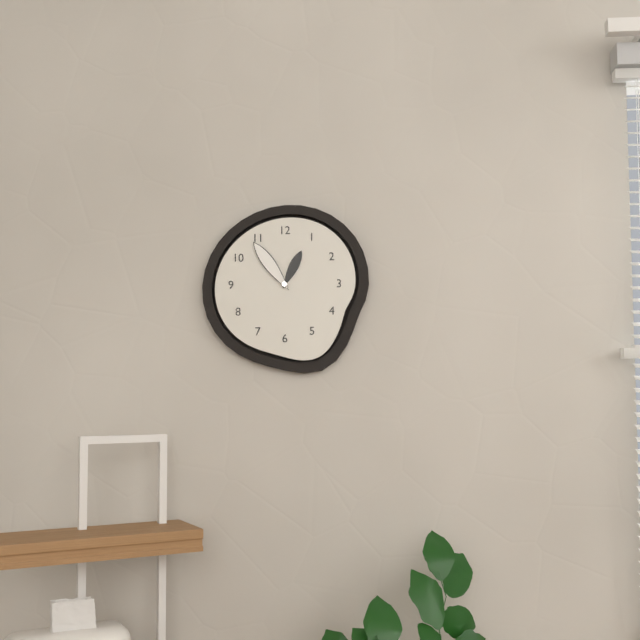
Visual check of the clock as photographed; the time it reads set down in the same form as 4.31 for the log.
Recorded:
12.54
